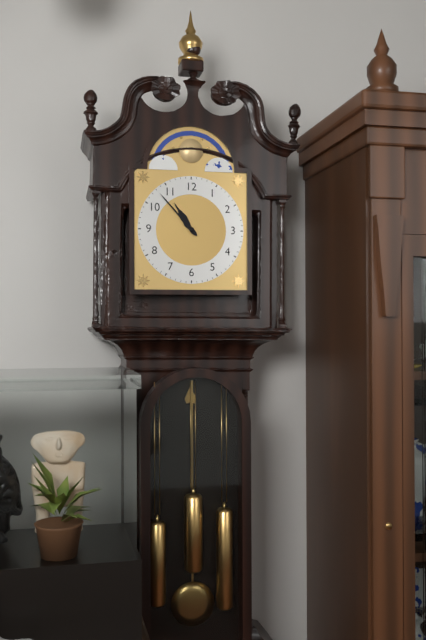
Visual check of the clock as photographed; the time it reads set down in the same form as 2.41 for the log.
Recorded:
10.53
